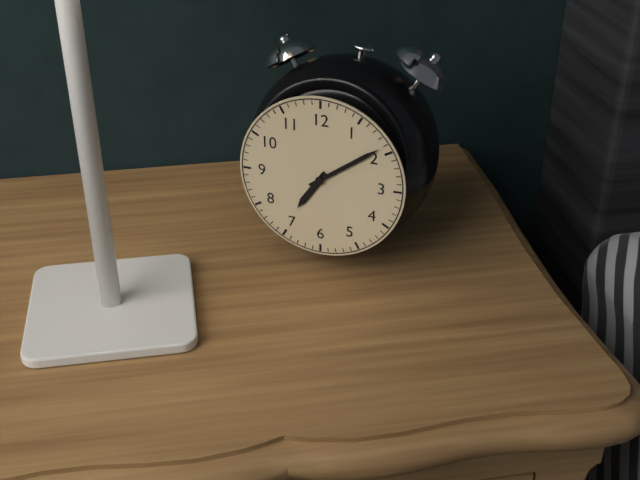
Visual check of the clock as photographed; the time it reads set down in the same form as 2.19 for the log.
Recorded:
7.09
